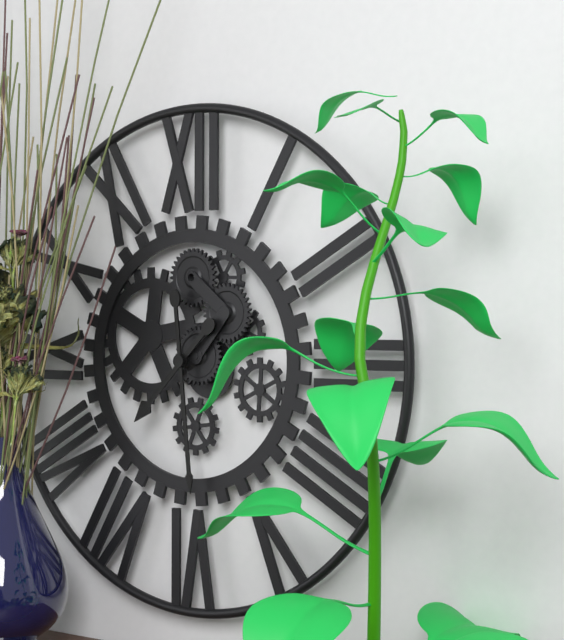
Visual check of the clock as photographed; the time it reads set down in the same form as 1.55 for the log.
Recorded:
7.29
